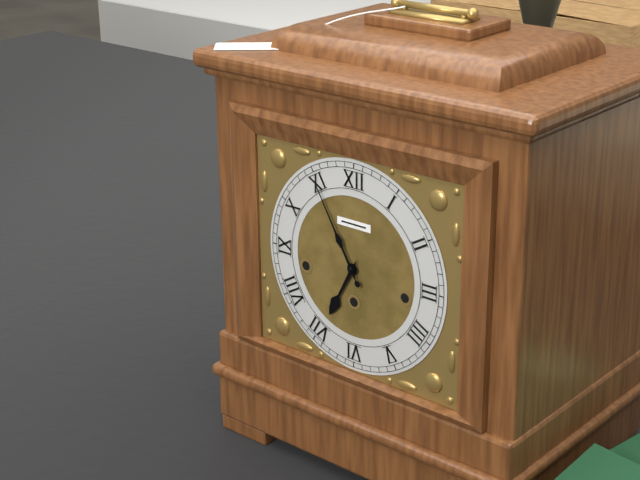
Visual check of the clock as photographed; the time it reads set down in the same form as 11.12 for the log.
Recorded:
6.55
